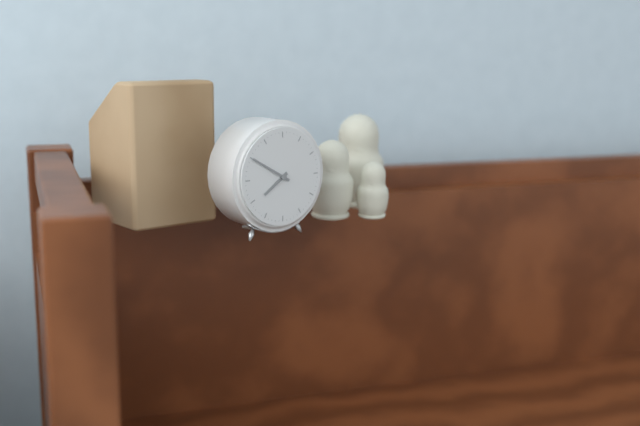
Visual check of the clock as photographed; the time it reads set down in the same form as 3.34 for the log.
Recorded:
7.50
